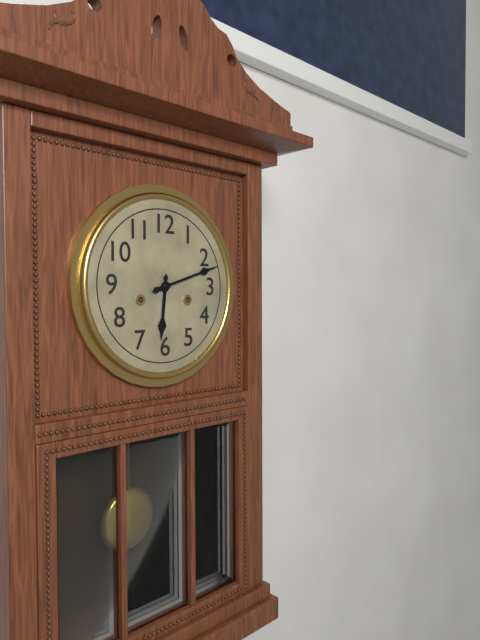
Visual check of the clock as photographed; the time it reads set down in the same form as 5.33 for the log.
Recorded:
6.12
